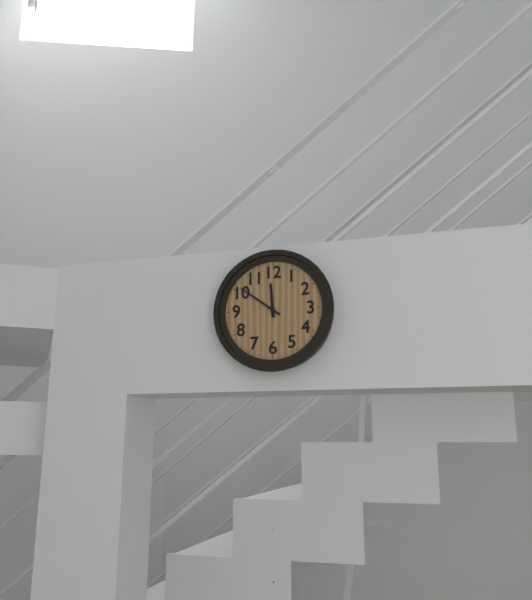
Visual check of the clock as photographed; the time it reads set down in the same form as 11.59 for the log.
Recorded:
11.51
